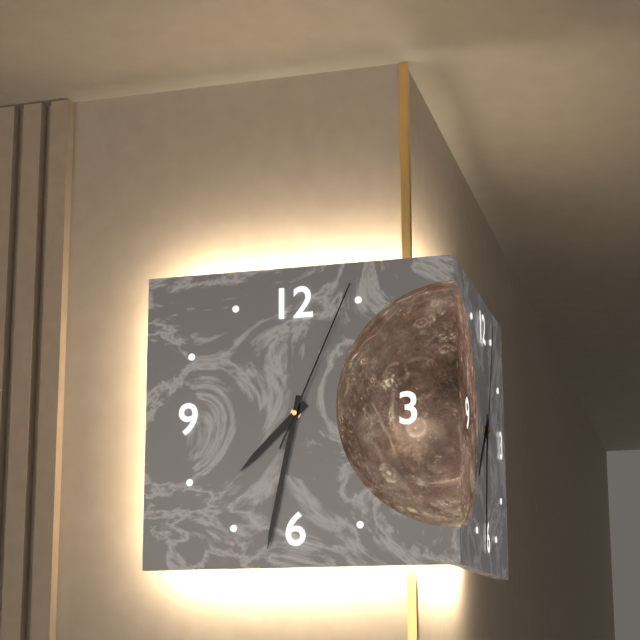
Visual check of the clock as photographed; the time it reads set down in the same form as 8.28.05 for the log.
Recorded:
7.32.04
